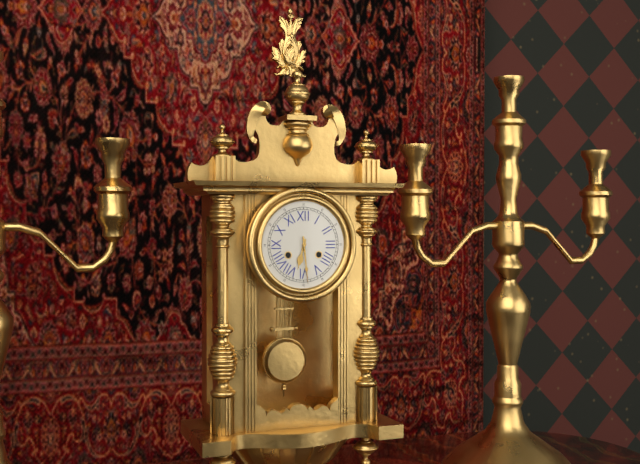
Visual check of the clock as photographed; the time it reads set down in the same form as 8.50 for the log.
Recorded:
6.29
